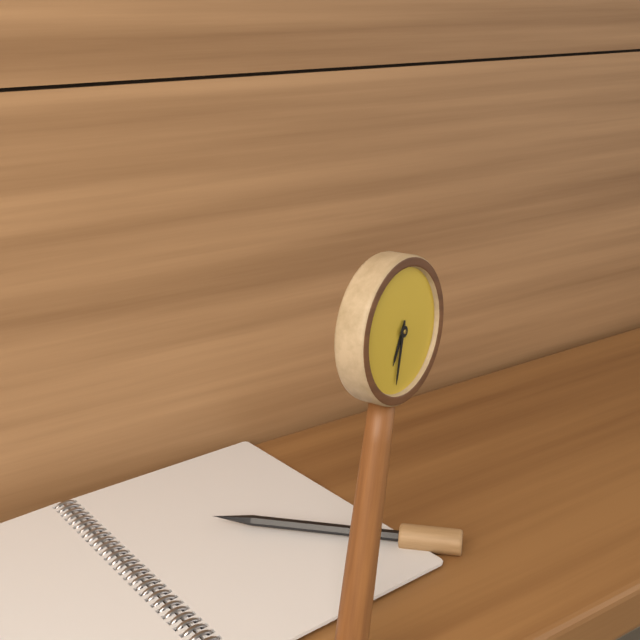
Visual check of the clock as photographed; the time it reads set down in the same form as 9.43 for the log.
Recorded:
6.30
